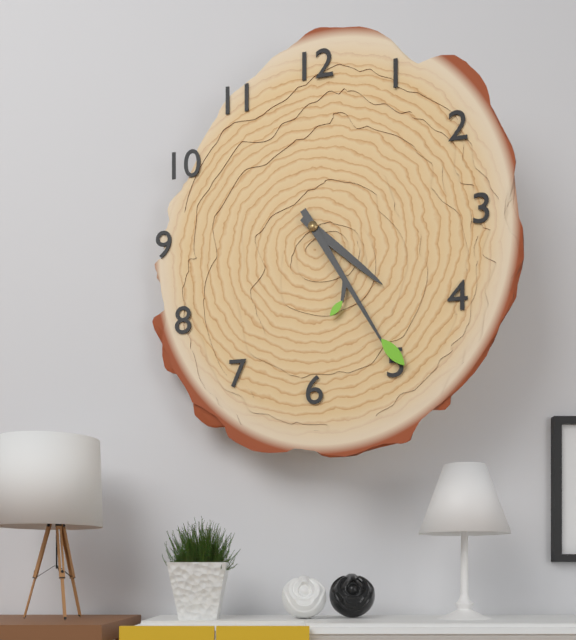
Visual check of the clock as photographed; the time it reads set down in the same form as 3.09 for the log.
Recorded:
4.25
